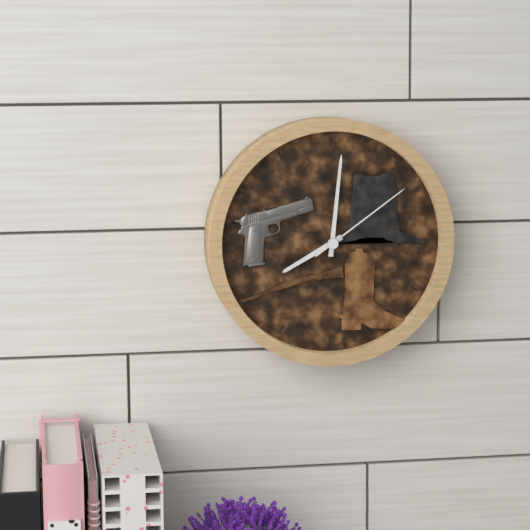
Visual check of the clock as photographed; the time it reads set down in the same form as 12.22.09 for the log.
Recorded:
8.01.09
